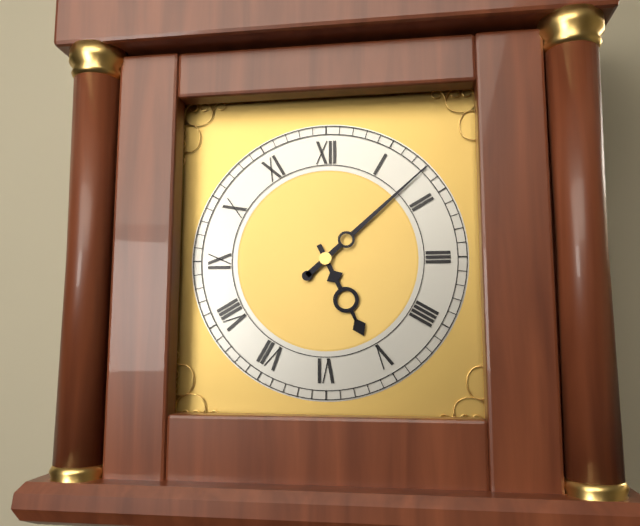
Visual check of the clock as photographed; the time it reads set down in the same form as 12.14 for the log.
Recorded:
5.08
